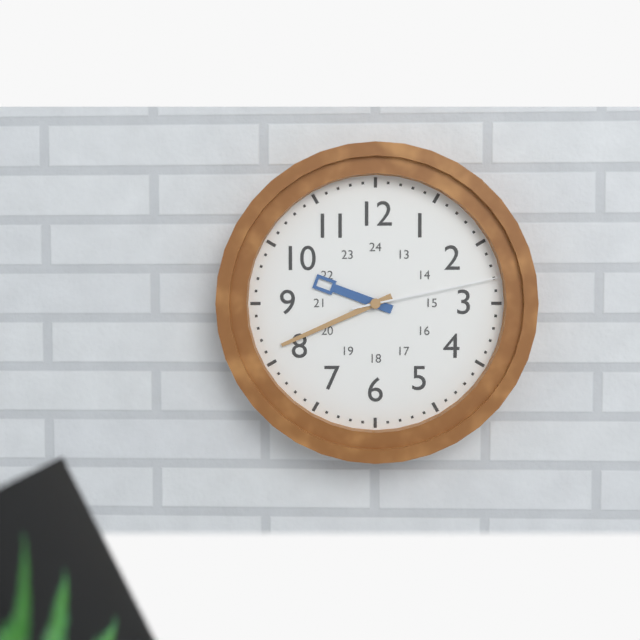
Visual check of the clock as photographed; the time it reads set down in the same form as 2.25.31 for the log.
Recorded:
9.41.13
